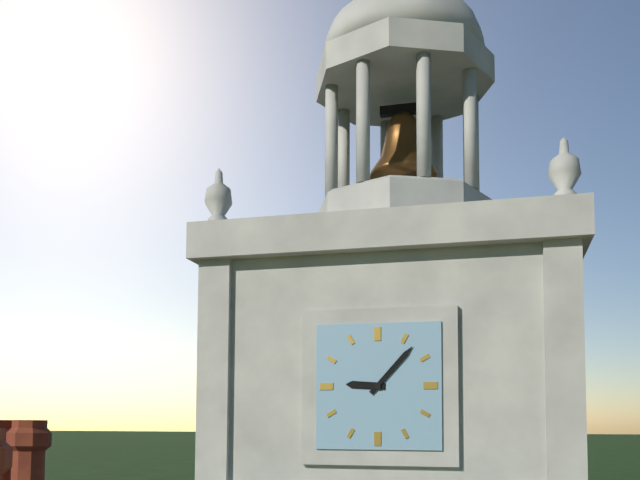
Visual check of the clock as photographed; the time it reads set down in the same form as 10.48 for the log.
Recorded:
9.07
